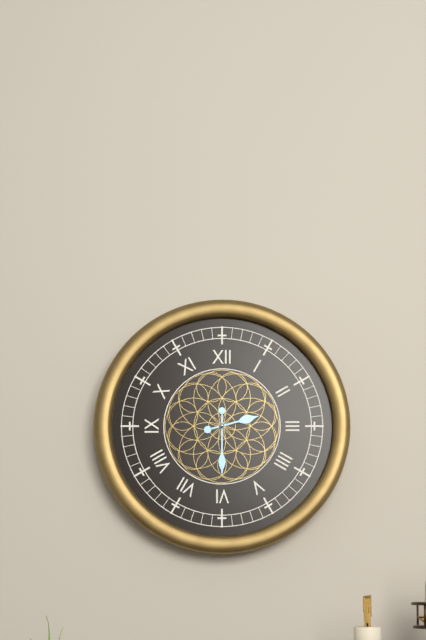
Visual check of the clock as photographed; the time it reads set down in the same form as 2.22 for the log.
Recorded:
2.30
